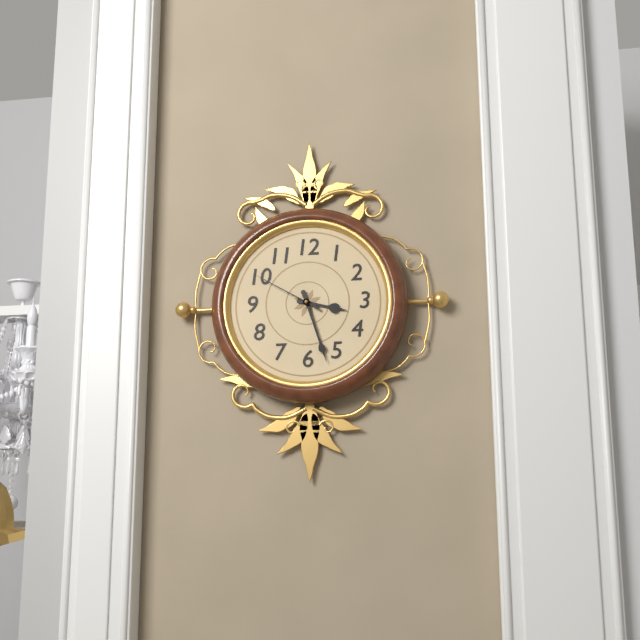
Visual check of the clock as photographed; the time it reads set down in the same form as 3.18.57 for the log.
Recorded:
3.27.50
